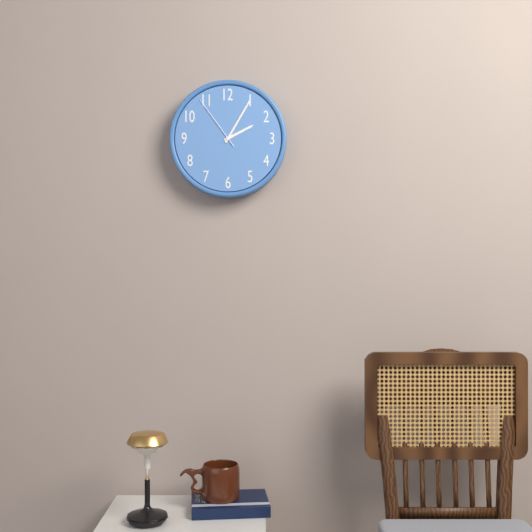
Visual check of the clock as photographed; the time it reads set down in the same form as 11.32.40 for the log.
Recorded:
2.05.54
